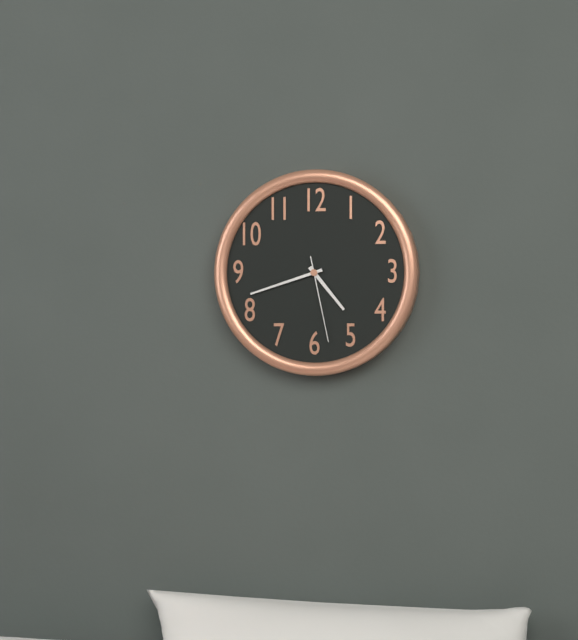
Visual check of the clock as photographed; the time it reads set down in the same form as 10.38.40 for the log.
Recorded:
4.42.28
